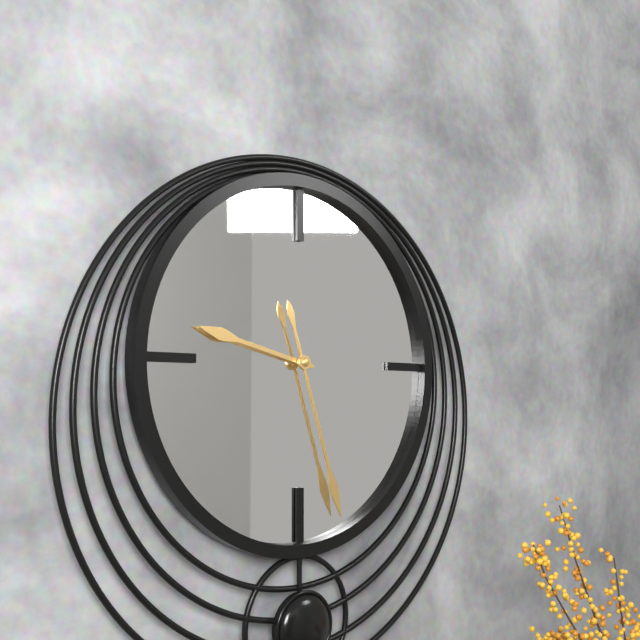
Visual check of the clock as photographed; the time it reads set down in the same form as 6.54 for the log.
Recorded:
9.27
